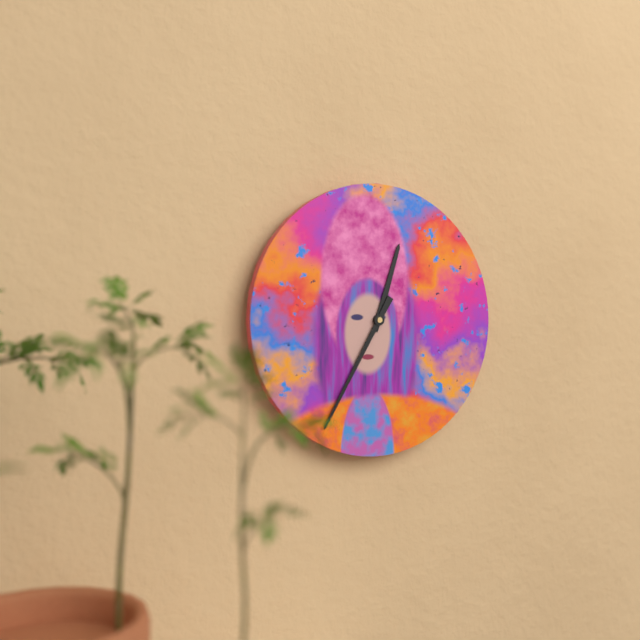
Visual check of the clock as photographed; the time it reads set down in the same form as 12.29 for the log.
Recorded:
12.35
